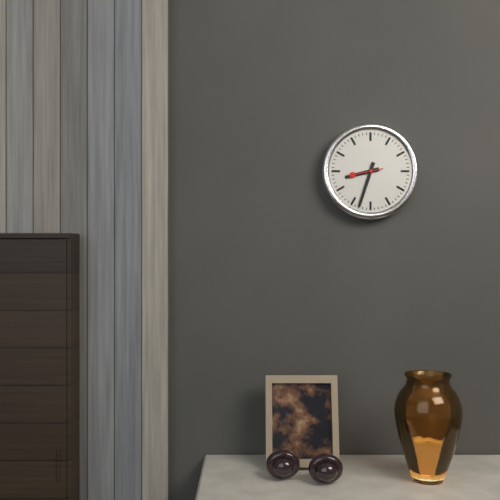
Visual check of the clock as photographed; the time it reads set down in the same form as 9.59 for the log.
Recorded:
8.33
